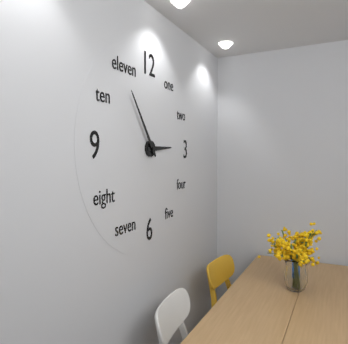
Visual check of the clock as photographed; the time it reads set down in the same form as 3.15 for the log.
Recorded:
2.54
